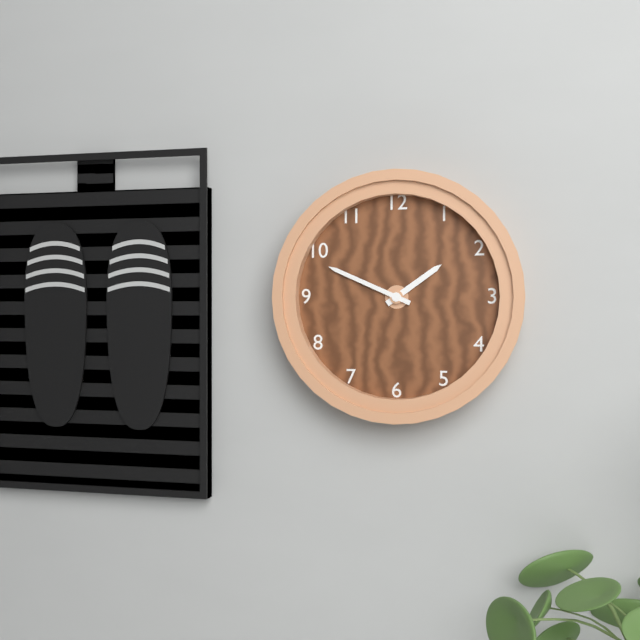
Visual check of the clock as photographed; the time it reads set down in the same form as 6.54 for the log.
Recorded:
1.49
